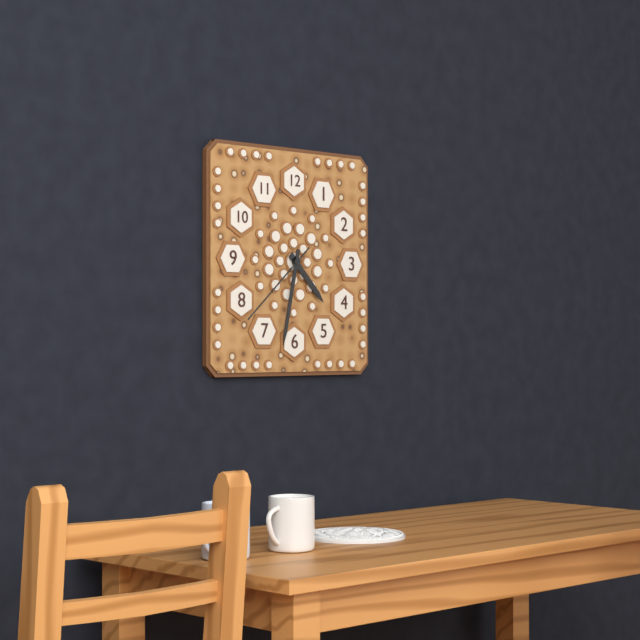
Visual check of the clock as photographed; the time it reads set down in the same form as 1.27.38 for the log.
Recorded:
4.32.38
